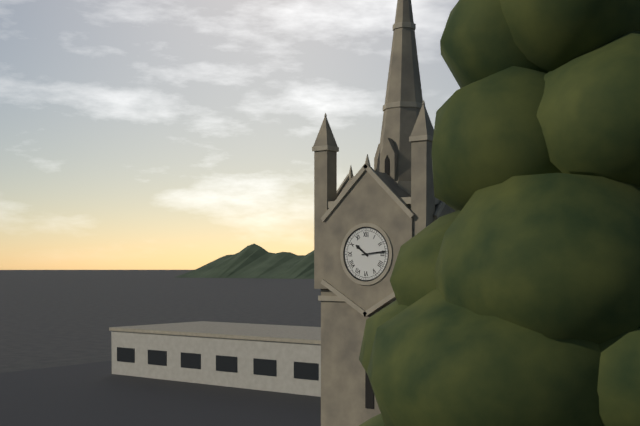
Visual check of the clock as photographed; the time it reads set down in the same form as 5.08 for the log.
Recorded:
10.14
